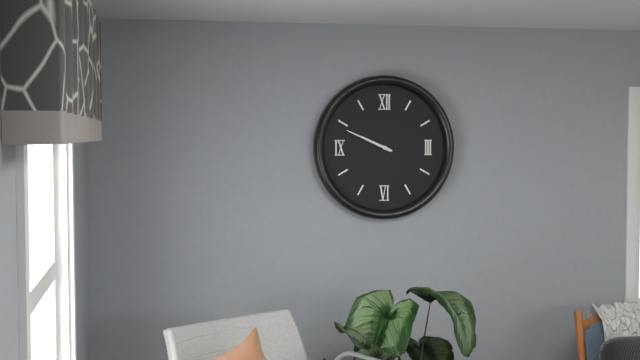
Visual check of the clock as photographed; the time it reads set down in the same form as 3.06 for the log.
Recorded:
9.49
